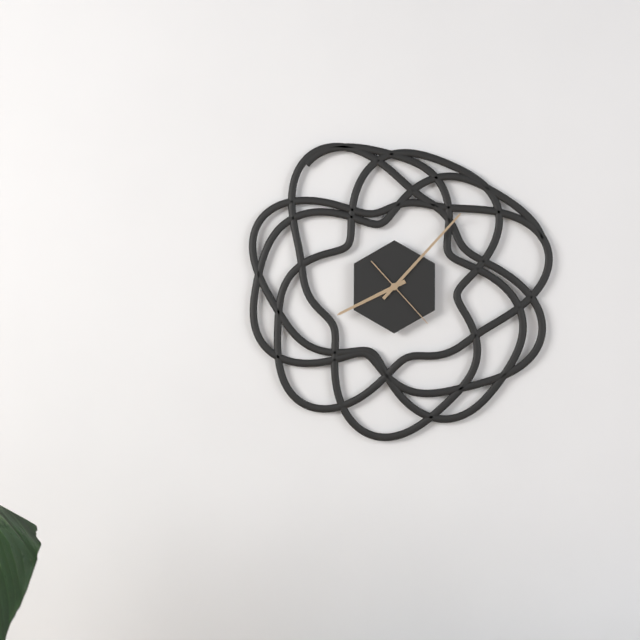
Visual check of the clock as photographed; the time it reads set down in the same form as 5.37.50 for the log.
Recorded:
8.07.23
